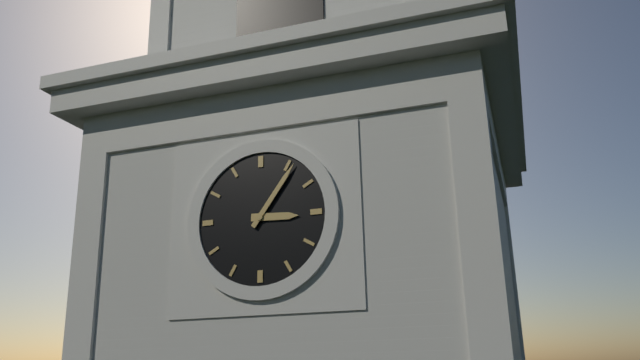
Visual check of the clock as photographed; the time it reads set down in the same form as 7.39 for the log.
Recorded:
3.06
